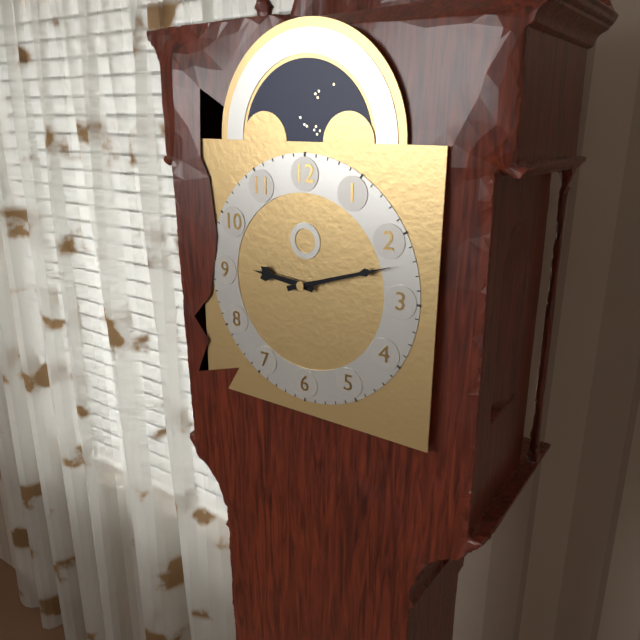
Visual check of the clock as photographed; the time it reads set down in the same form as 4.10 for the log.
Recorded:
9.12
